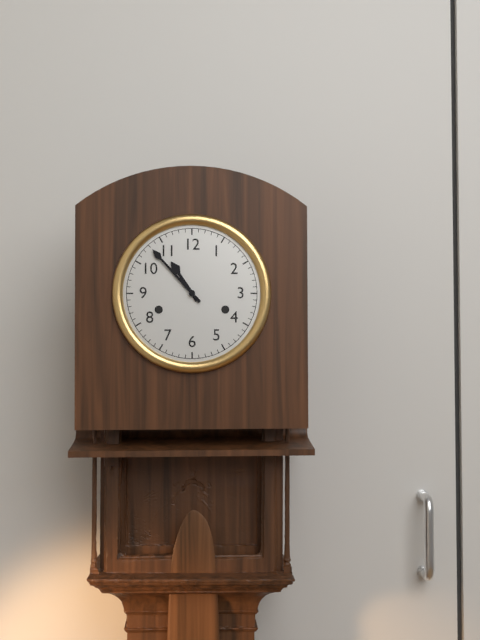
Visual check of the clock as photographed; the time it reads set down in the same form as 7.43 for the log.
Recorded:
10.53
